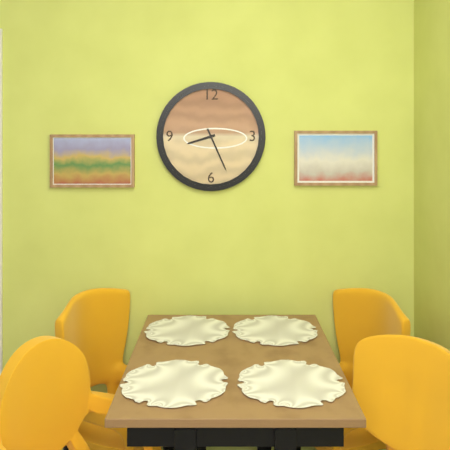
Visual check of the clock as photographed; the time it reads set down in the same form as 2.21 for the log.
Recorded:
8.26
